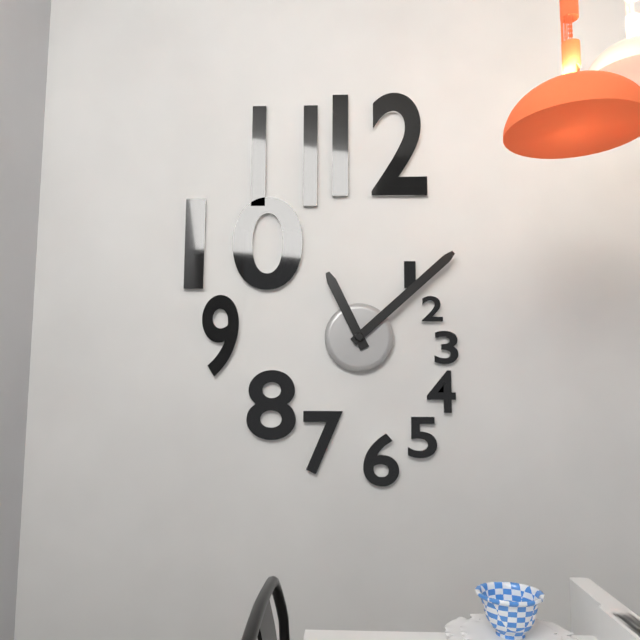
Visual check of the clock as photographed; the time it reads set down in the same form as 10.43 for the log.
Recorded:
11.08
